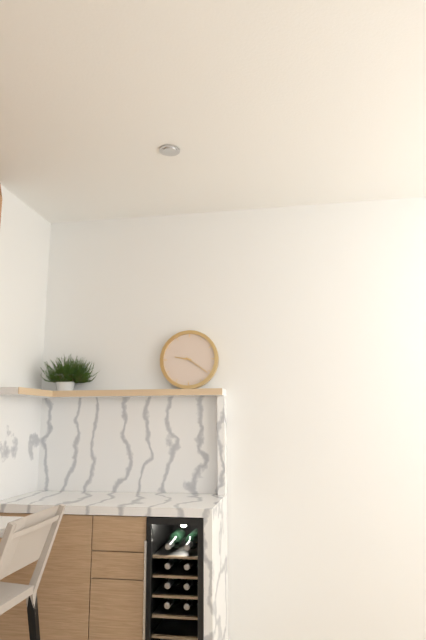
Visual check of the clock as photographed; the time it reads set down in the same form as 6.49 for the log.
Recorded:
9.21
